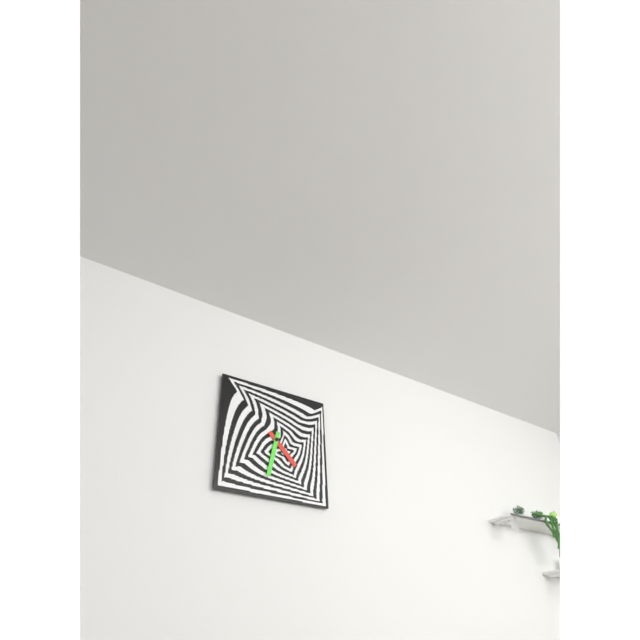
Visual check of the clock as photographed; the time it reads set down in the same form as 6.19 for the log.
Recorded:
4.32
